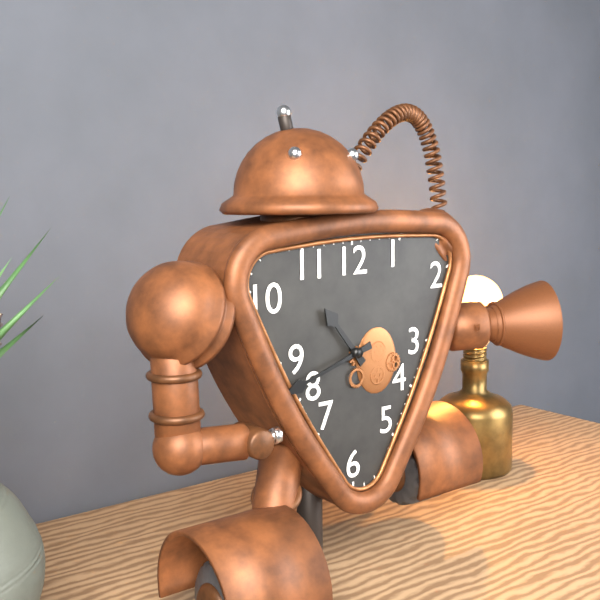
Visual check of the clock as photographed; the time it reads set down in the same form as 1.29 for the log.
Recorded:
10.42
